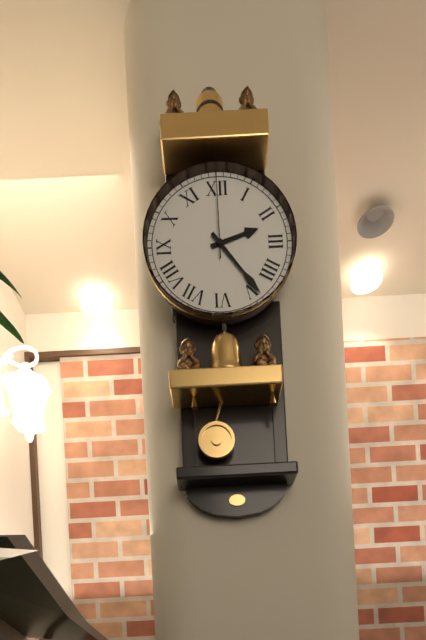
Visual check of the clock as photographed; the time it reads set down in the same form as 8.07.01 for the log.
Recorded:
2.24.00
